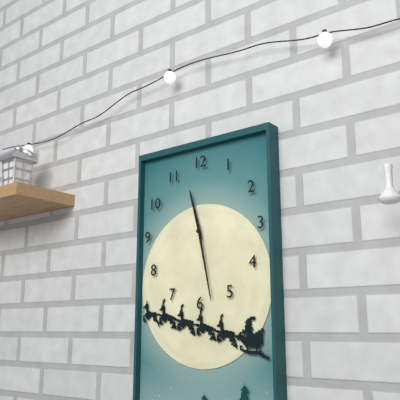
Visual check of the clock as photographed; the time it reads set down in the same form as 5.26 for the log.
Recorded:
11.28
